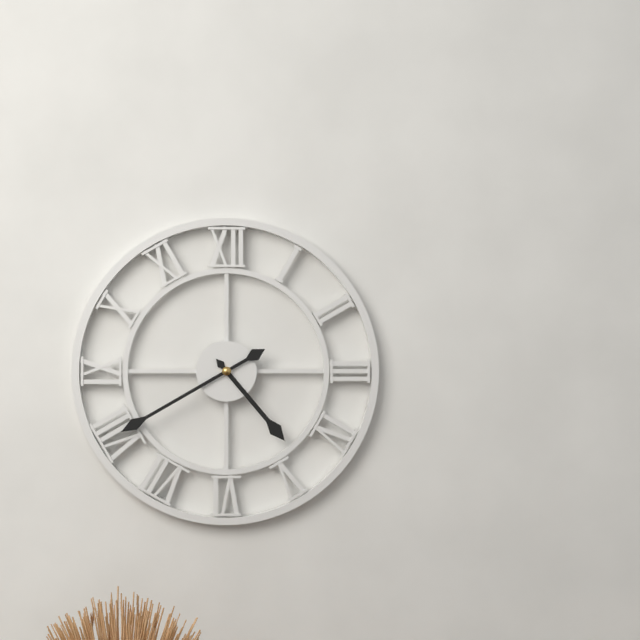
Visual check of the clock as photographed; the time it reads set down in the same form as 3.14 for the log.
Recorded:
4.40
